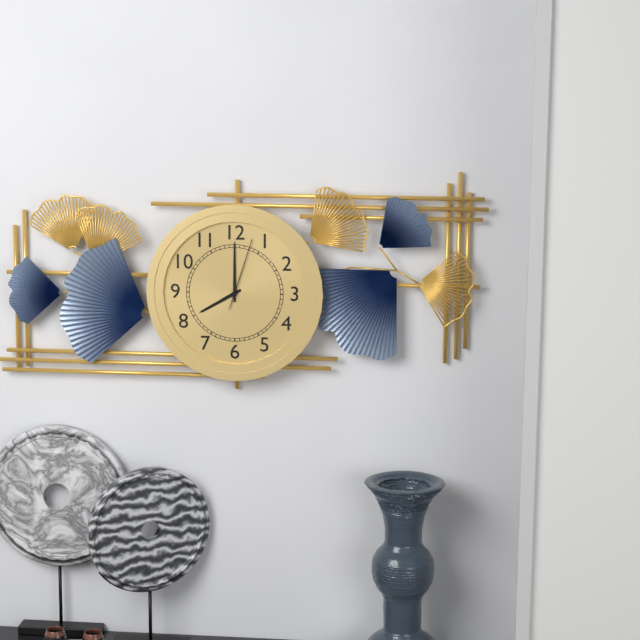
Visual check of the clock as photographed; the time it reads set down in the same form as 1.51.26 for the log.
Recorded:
8.00.03
